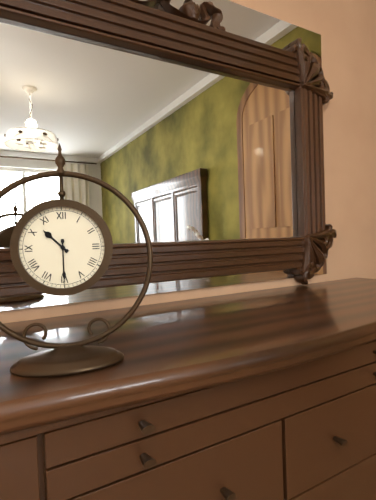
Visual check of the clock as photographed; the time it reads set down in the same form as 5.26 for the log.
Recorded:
10.30
